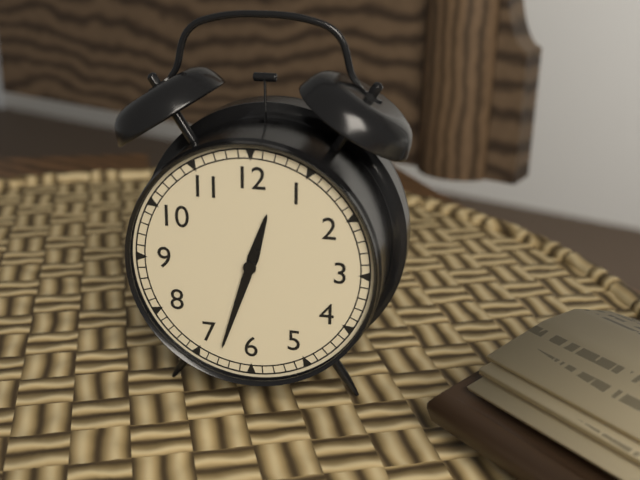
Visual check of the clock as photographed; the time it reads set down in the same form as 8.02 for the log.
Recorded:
12.33
